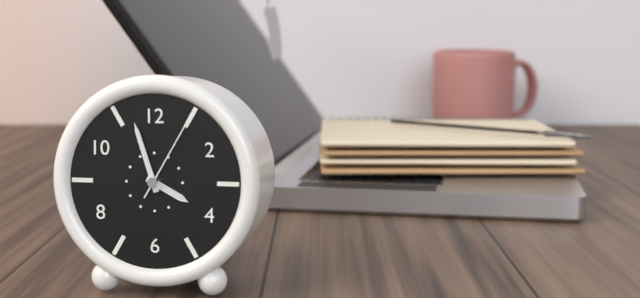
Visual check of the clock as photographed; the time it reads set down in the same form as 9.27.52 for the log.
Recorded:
3.57.05
